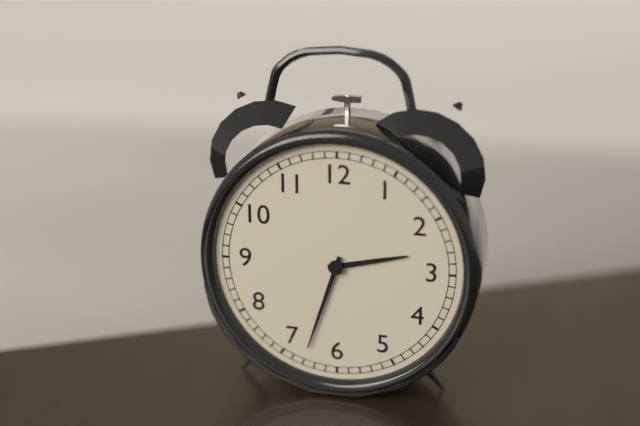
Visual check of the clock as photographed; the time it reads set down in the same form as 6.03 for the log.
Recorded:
2.33
